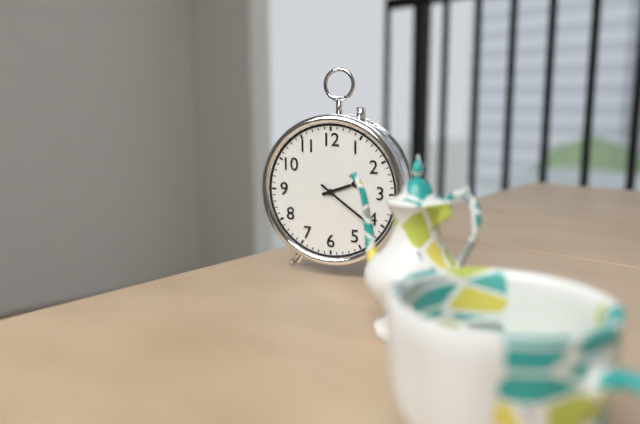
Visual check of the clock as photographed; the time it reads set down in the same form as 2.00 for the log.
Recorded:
2.21
